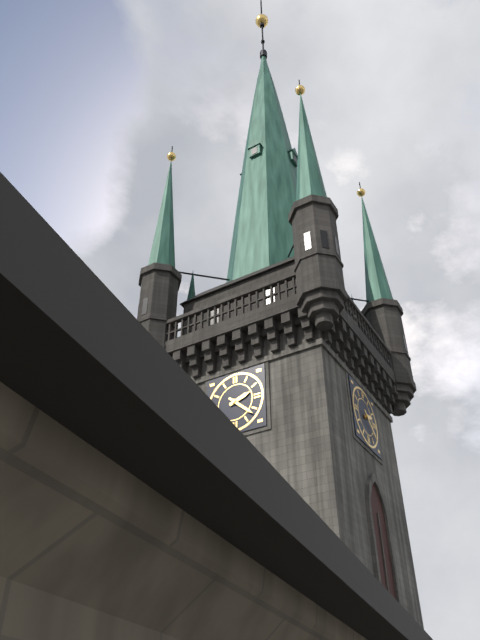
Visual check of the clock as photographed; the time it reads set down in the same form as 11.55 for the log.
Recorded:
2.22
